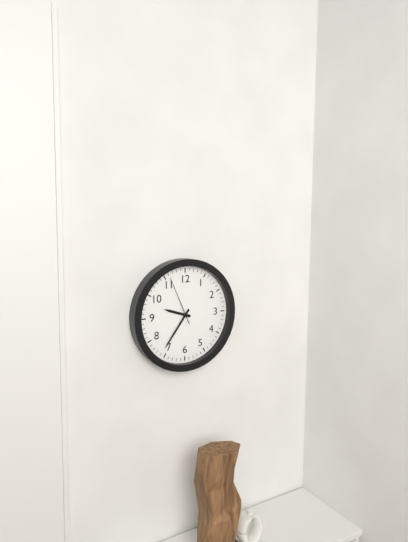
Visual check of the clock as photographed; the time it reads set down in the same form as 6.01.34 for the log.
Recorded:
9.36.56
